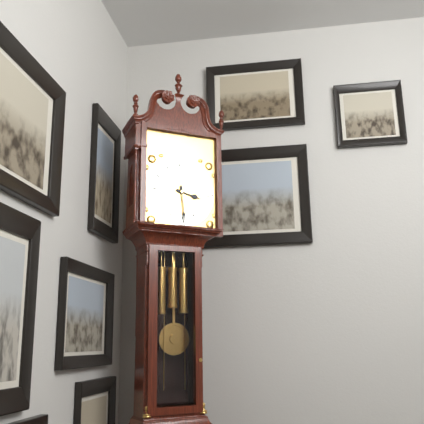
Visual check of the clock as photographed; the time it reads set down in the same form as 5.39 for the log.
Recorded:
3.29
